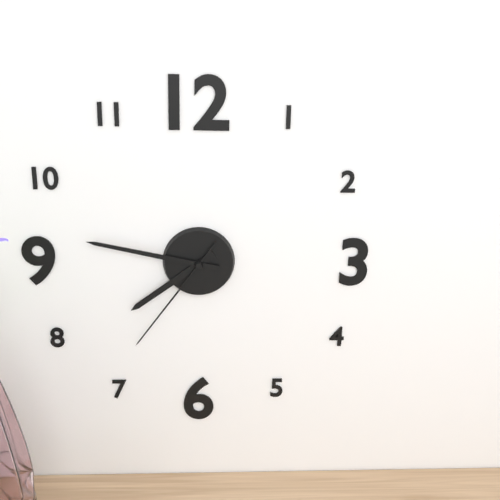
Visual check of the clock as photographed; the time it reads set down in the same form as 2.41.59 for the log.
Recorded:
7.47.36
